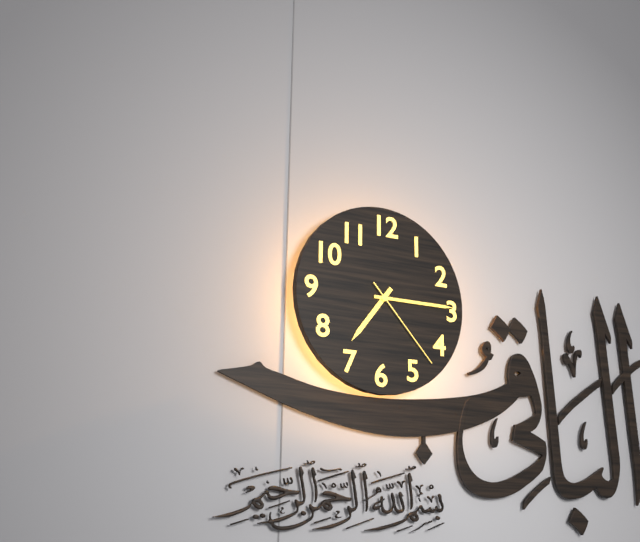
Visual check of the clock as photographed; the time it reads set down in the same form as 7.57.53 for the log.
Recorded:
7.15.23
